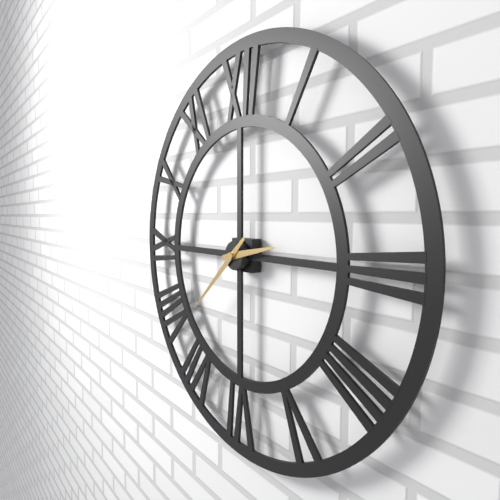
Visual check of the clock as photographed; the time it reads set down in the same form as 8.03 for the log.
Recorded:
2.38
